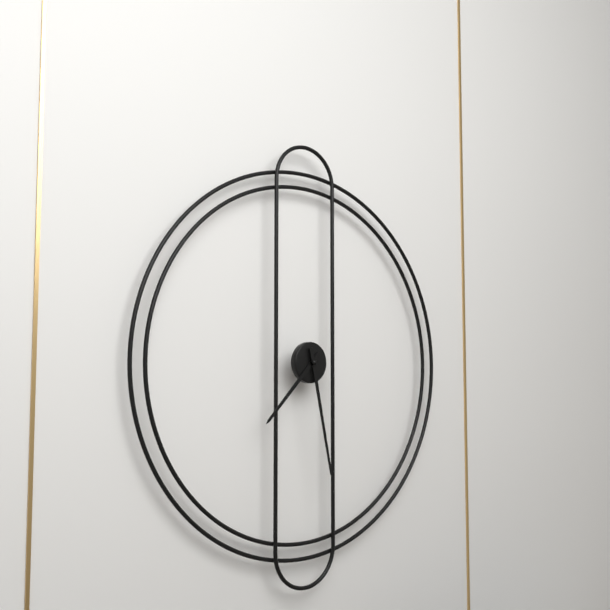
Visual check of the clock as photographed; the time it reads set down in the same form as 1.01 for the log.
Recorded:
7.28
